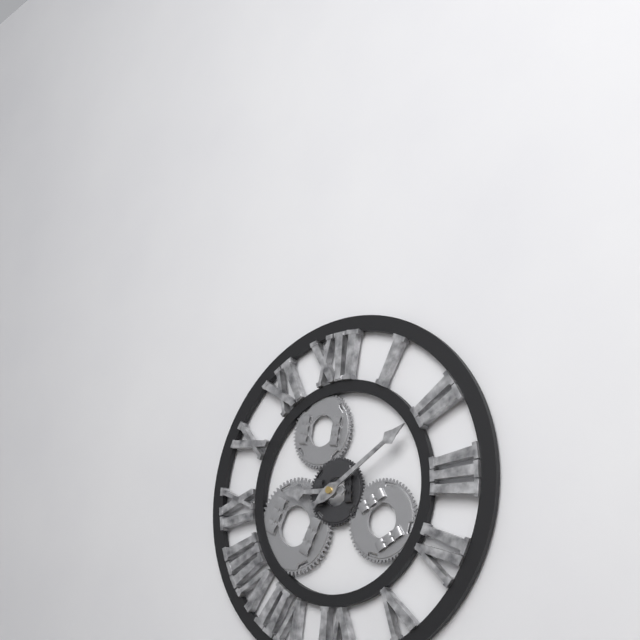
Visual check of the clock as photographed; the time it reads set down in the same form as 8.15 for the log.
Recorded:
9.10
